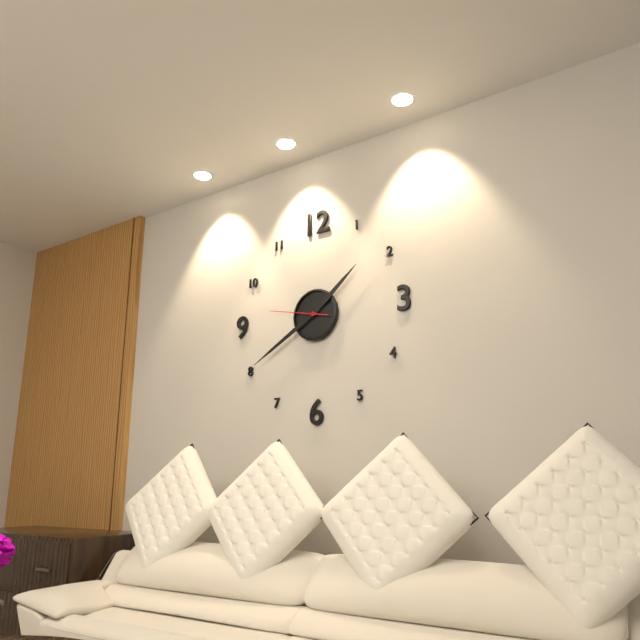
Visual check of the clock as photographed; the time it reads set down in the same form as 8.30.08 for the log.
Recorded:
1.40.47
